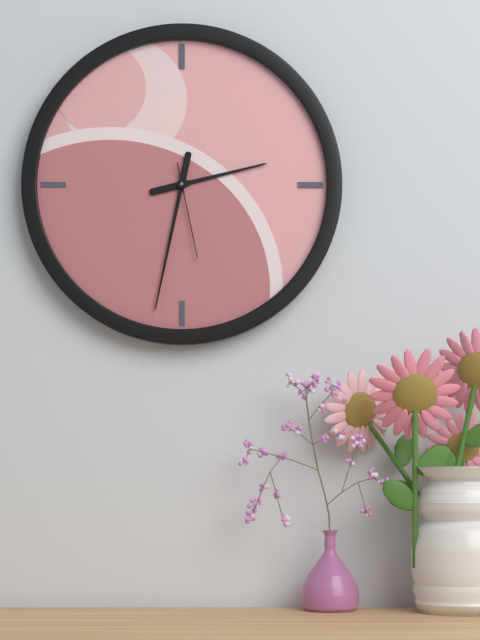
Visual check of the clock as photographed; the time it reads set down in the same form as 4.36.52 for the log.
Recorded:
2.32.28
